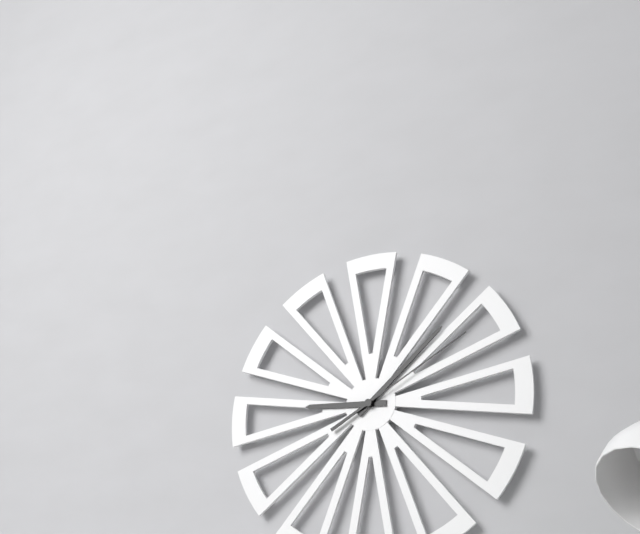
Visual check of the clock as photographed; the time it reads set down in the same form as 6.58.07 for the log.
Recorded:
9.08.10
